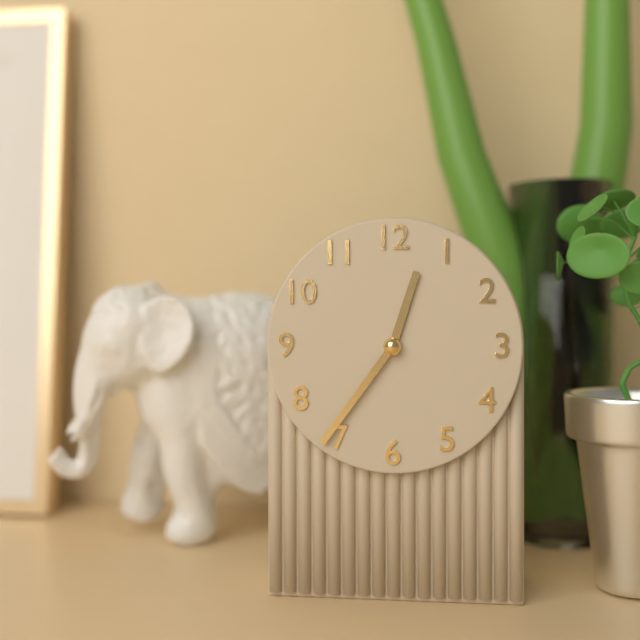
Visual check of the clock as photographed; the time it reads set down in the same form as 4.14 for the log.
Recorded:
12.36
